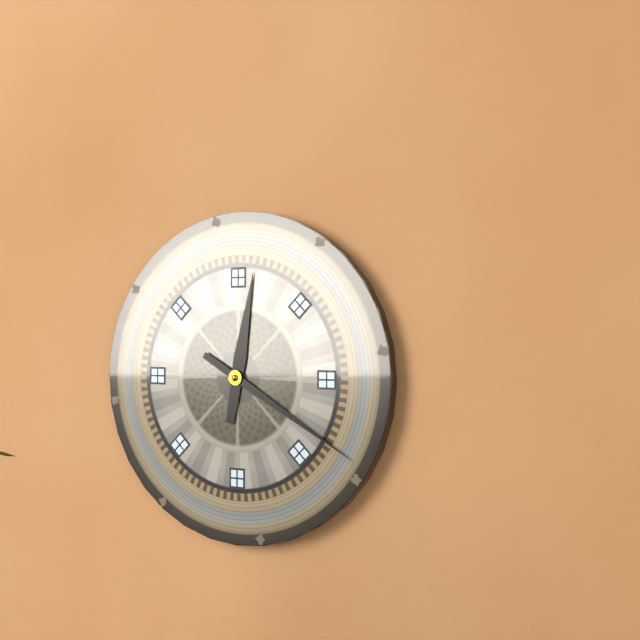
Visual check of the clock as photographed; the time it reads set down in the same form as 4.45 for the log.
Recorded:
12.20
